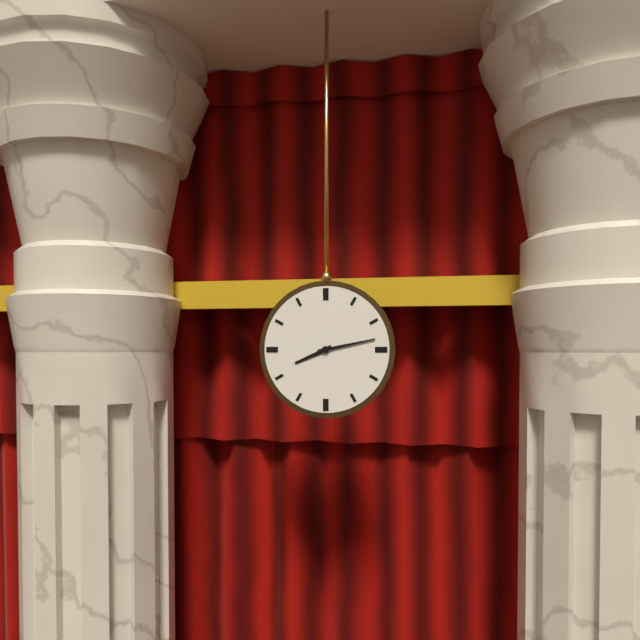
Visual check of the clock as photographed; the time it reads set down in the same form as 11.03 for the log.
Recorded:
8.13
